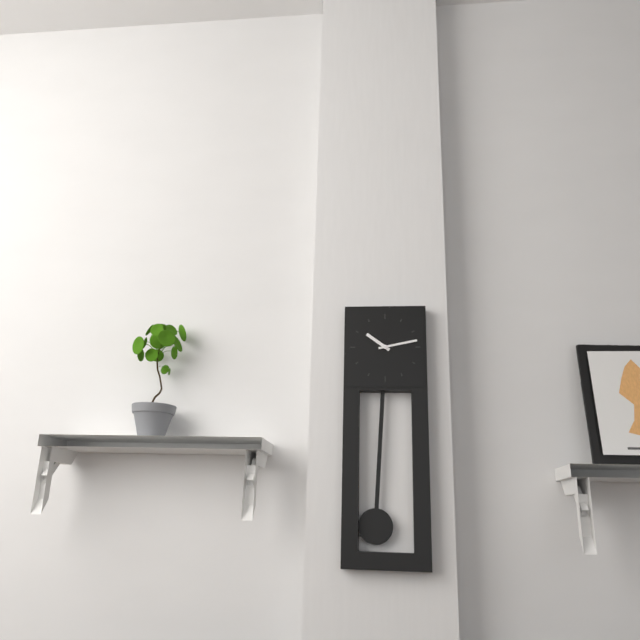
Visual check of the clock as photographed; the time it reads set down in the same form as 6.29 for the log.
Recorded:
10.13
